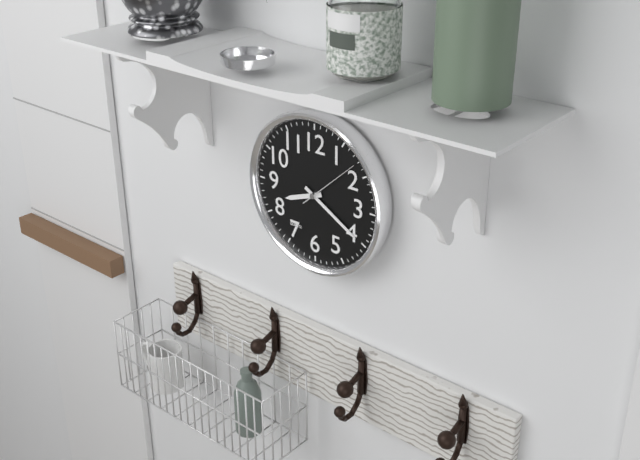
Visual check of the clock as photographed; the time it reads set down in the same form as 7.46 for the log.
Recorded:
8.20
